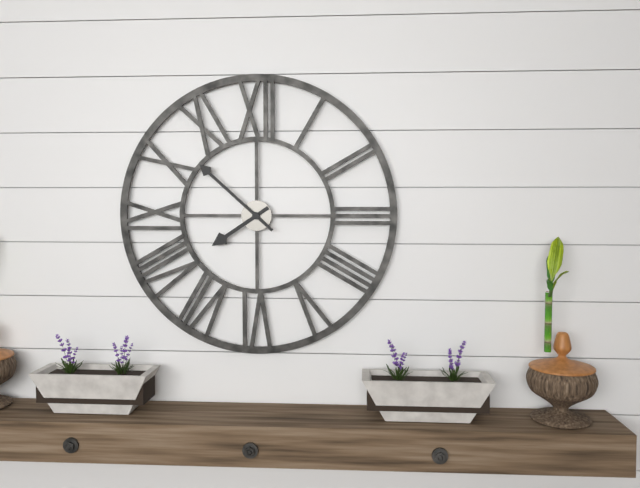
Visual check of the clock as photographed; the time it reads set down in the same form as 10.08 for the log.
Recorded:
7.52
